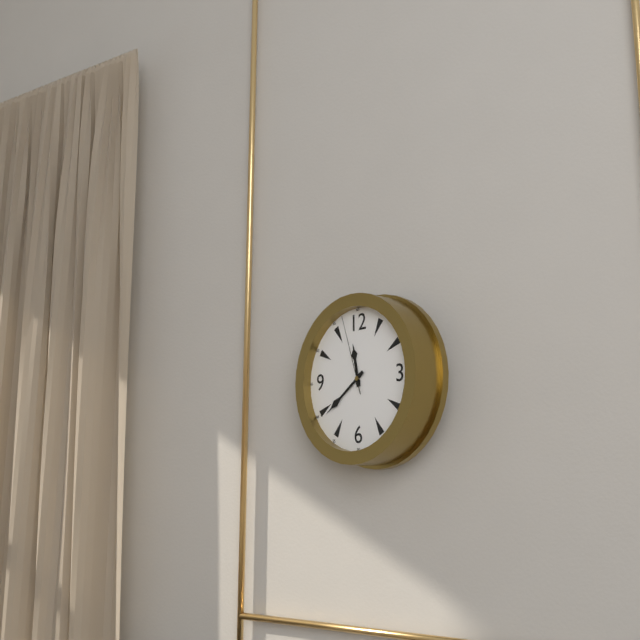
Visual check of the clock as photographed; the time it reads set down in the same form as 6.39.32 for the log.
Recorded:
11.39.57
